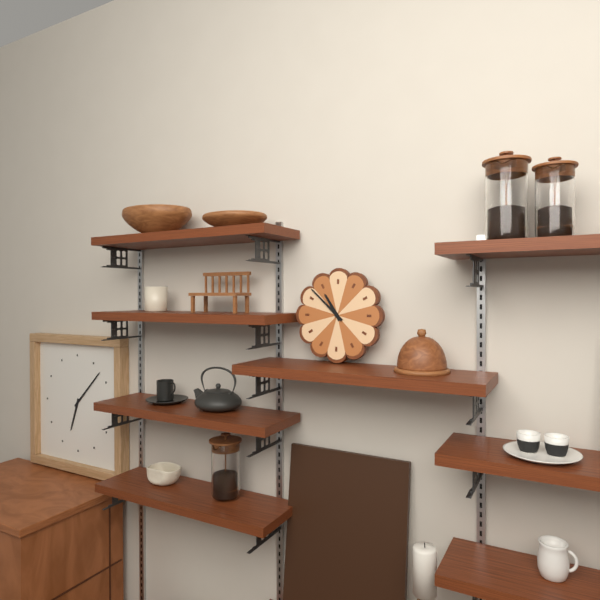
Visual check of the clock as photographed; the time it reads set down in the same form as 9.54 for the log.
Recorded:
10.52
